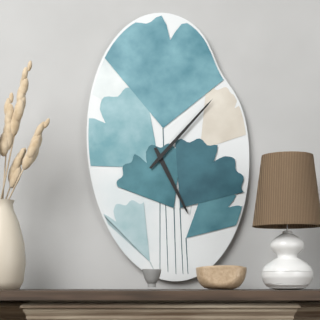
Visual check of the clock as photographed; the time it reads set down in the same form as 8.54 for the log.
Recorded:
5.07
